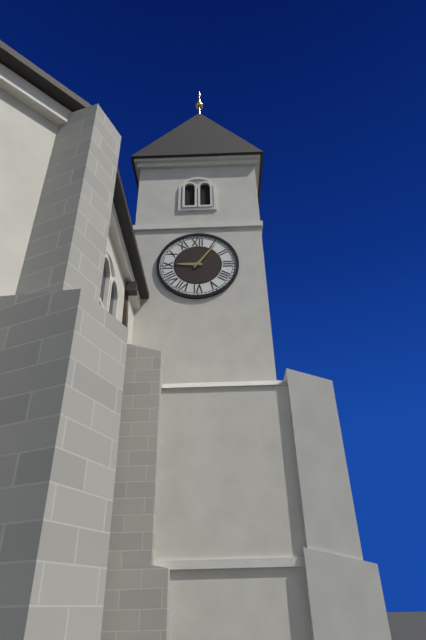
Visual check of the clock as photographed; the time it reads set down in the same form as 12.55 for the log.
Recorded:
9.06
